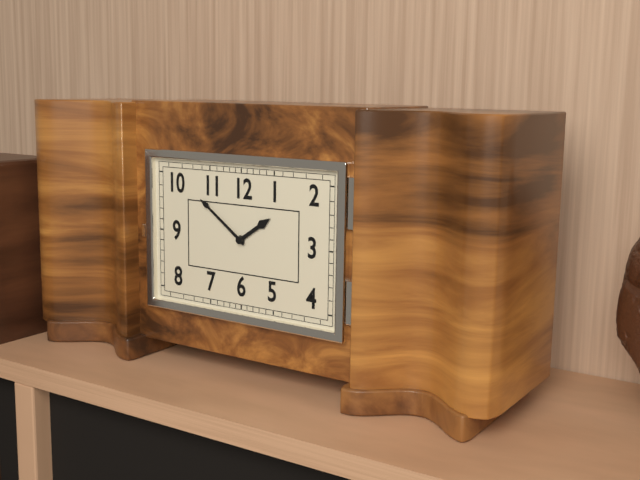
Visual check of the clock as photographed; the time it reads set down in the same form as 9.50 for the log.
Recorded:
1.51
